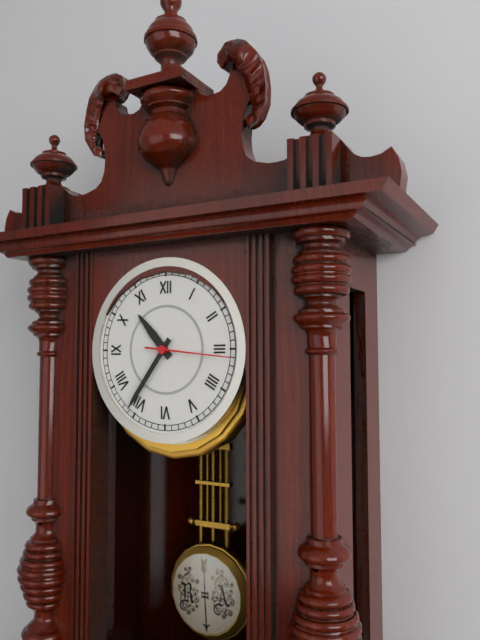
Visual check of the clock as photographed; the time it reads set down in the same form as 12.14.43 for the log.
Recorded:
10.36.16
